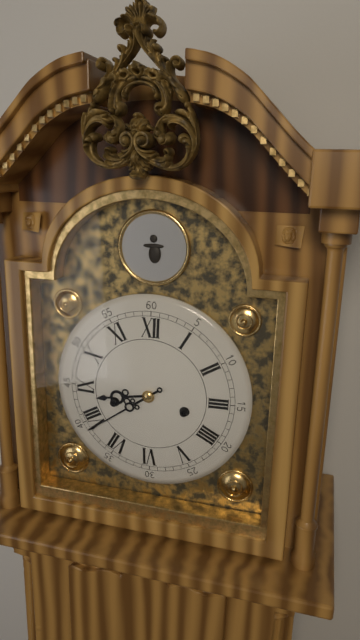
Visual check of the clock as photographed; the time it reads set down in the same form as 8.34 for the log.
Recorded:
8.39
